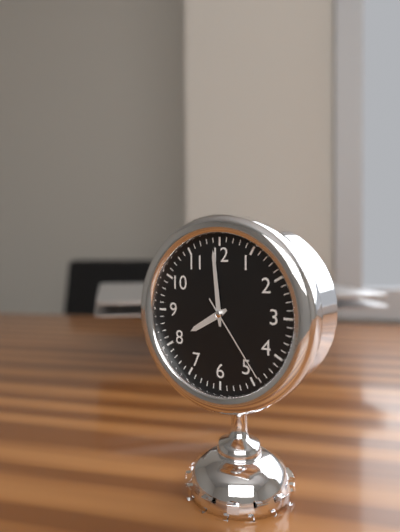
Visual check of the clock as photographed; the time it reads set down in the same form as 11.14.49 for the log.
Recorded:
7.59.24
